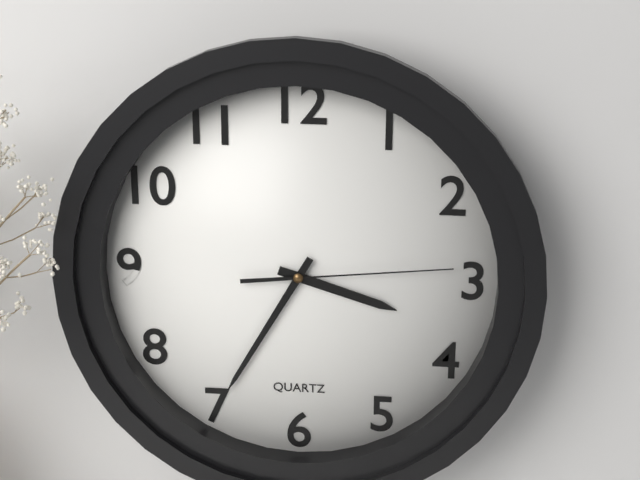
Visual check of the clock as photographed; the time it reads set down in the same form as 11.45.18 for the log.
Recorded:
3.35.14
